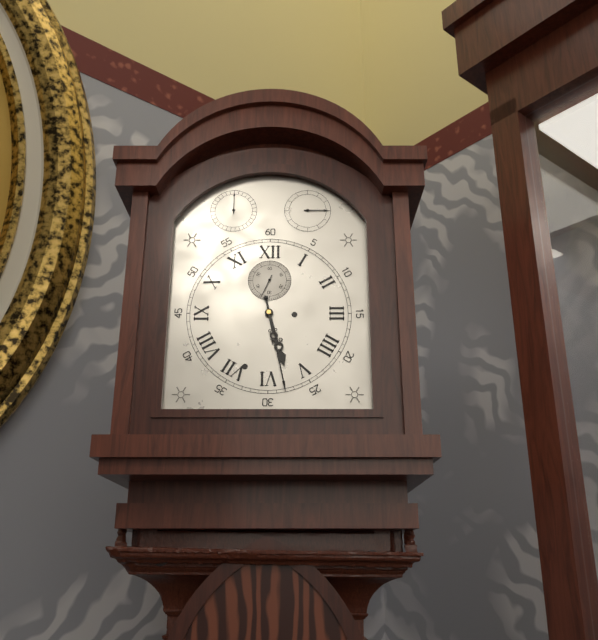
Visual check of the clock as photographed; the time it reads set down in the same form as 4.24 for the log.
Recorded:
5.28
